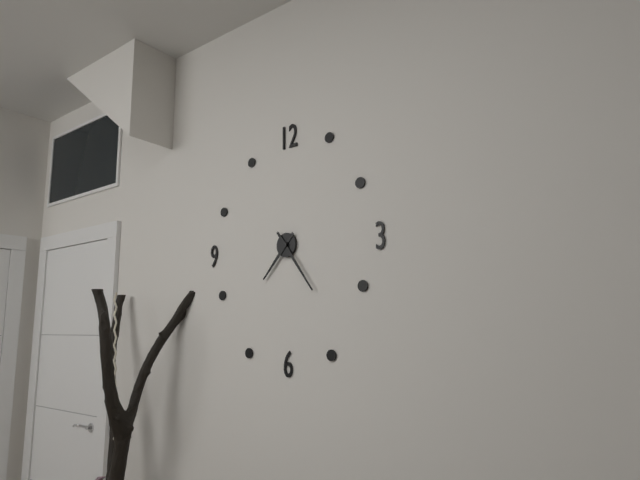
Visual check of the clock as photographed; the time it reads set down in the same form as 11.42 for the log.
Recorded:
7.24
